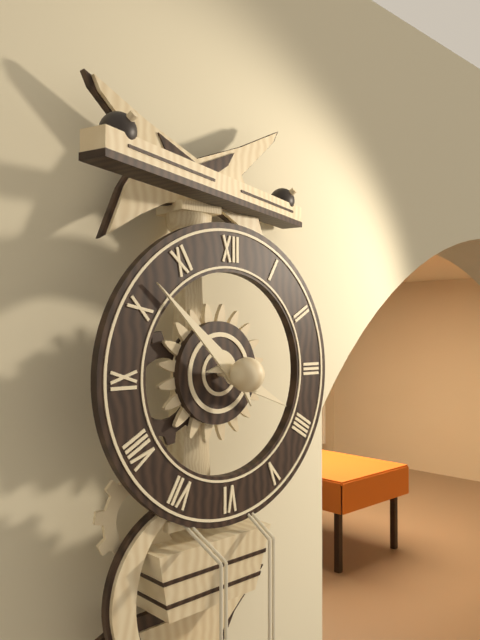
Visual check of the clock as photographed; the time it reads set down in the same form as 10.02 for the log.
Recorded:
3.52
